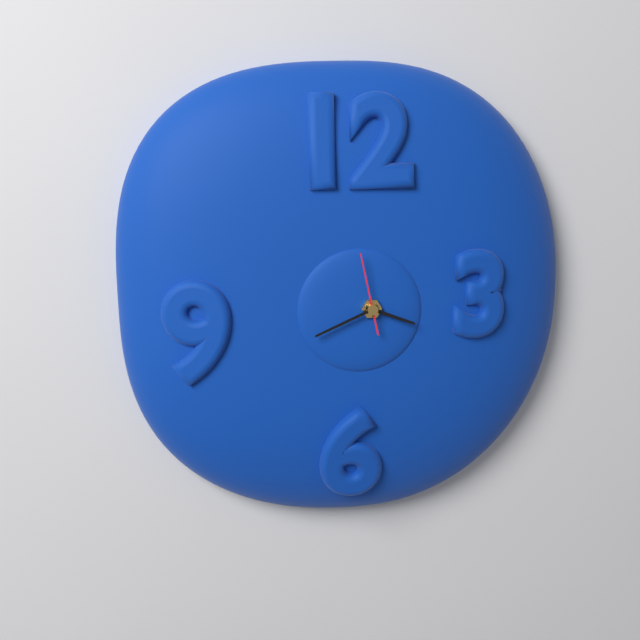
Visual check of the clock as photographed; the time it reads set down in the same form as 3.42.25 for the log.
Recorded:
3.41.58
